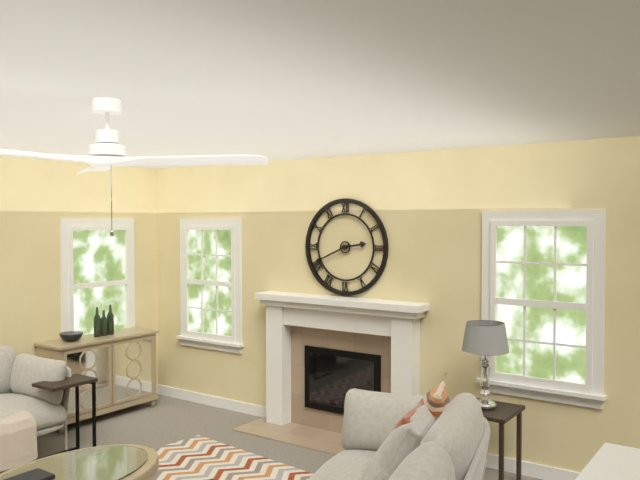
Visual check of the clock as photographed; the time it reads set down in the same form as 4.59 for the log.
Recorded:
2.41
